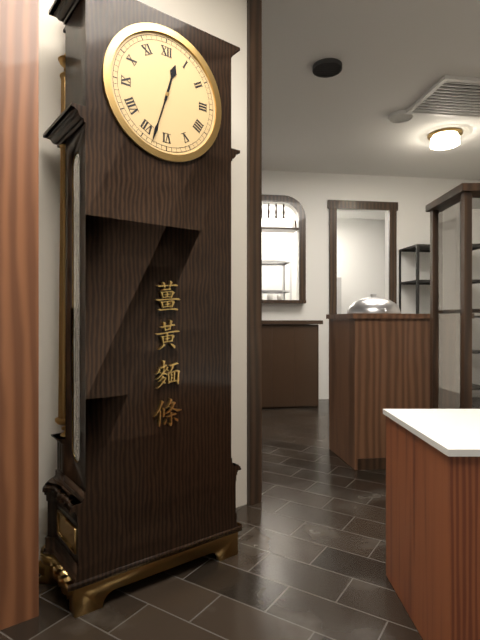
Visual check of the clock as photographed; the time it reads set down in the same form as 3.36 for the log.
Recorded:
12.33
